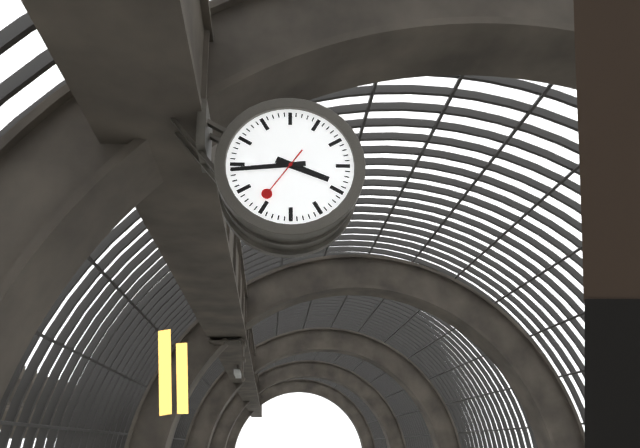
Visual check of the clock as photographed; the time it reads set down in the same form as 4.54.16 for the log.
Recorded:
3.44.36
